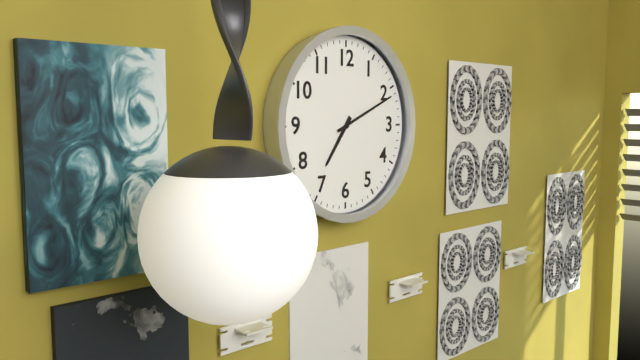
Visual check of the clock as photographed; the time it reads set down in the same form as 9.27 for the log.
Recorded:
7.11
